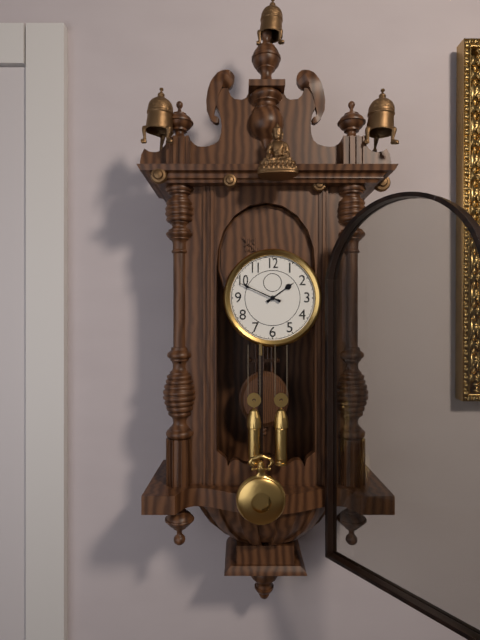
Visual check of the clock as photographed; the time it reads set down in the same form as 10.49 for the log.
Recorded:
1.49
